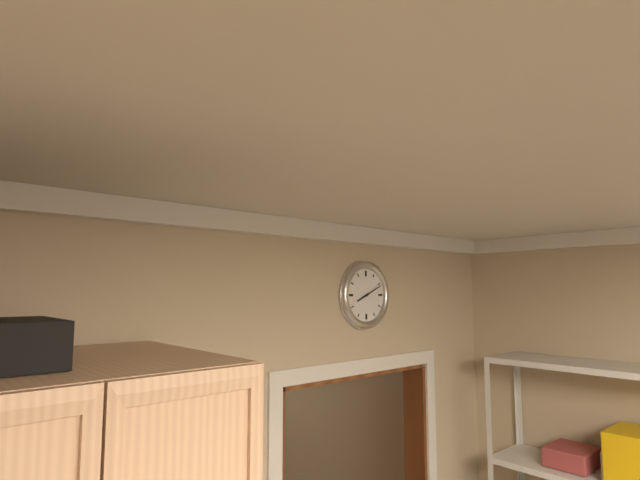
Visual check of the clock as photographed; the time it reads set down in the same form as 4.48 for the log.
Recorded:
8.11
